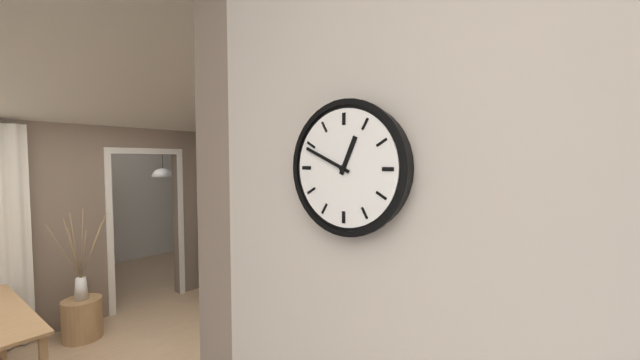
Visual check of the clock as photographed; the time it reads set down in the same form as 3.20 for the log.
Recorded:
12.49
